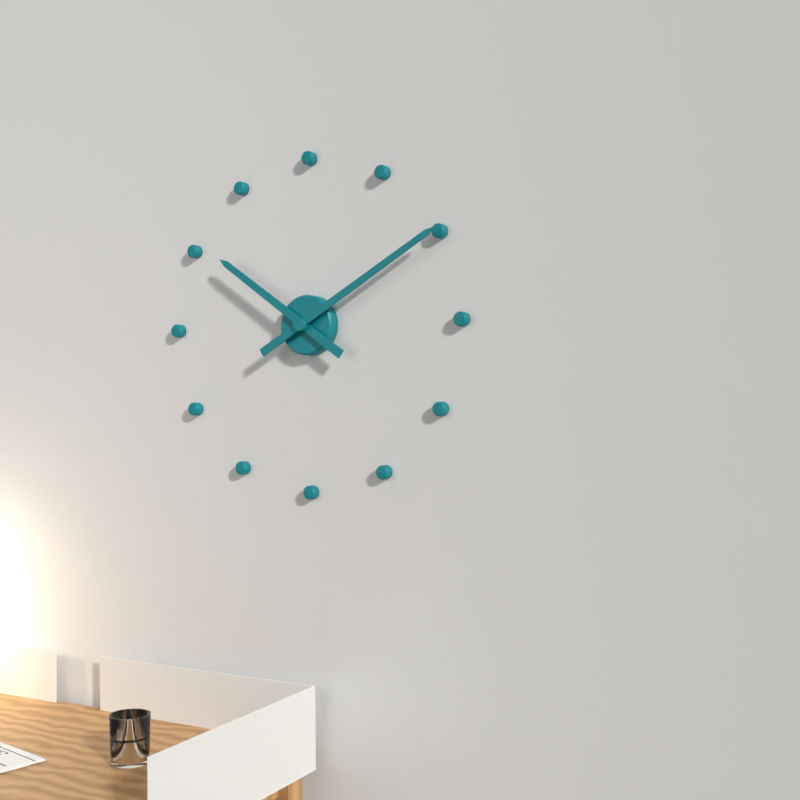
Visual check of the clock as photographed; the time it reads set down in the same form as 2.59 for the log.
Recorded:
10.10
